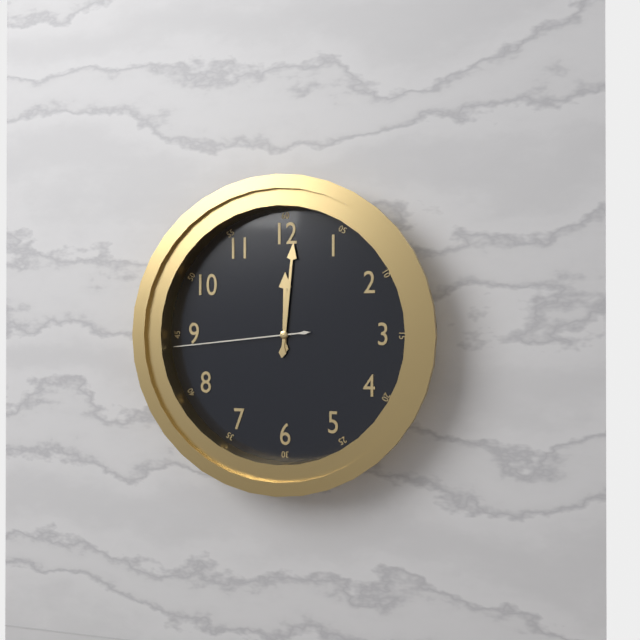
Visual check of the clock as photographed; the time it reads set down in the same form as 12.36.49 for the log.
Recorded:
12.01.44
